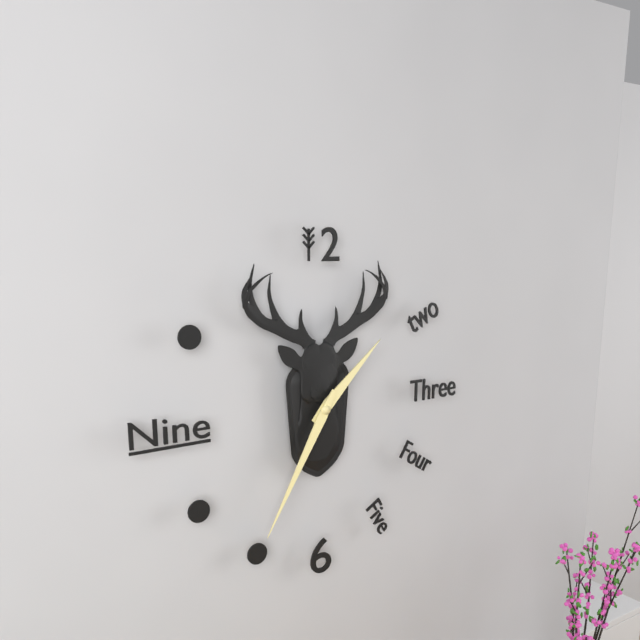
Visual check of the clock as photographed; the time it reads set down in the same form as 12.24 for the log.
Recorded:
1.35
